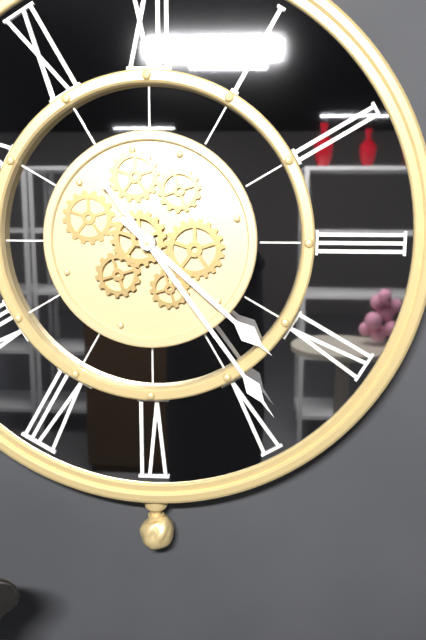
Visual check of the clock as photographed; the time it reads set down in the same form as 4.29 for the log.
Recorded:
4.24
